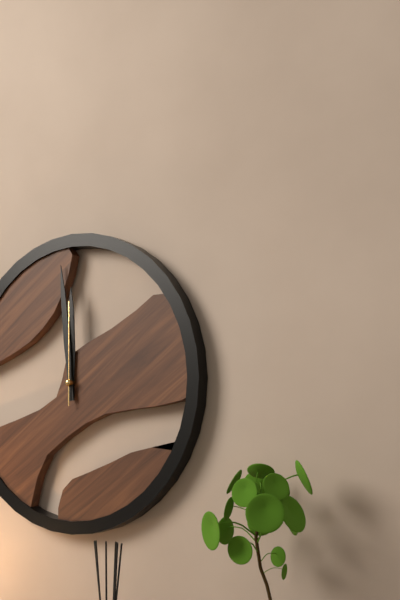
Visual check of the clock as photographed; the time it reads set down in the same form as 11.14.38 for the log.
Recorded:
11.59.00
